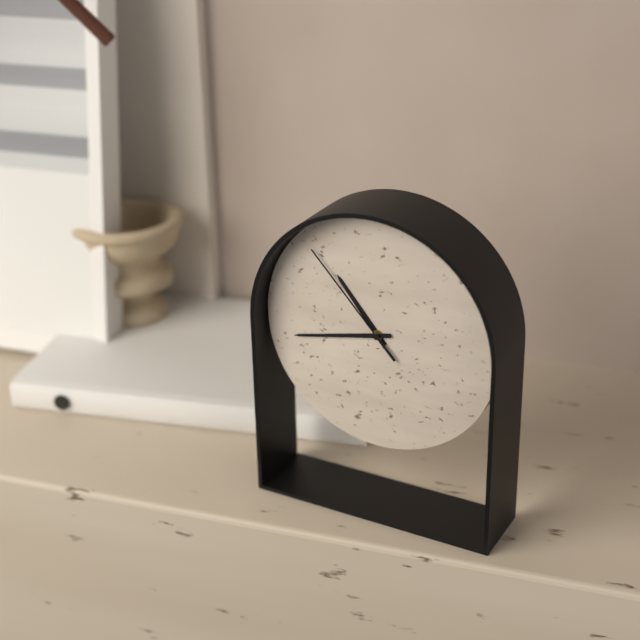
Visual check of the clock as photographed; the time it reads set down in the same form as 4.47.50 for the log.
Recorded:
10.43.53
